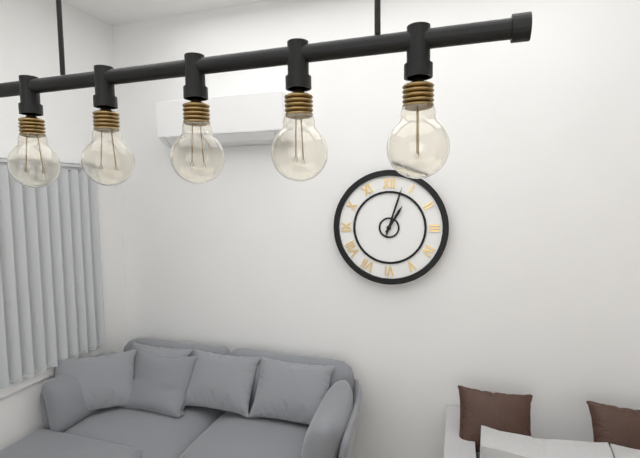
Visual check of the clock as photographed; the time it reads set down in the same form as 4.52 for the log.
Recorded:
1.03
